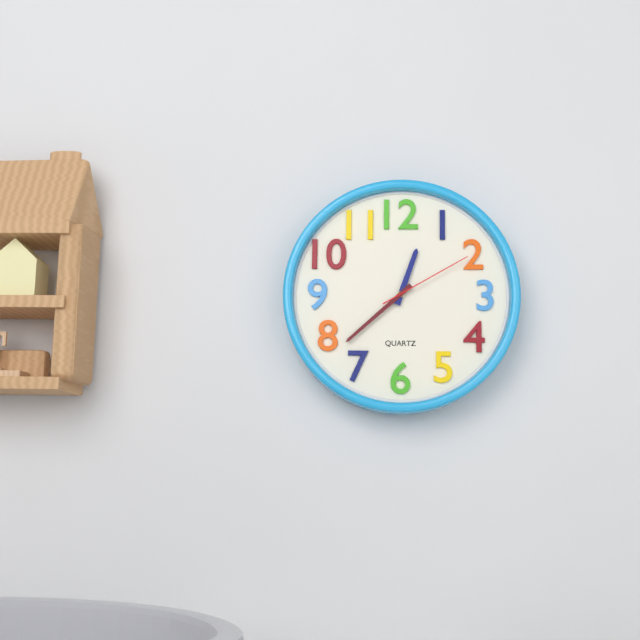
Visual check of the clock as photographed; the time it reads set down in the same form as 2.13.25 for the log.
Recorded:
12.38.10
